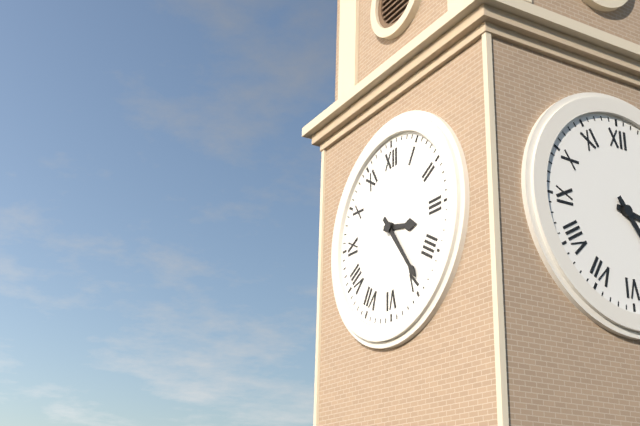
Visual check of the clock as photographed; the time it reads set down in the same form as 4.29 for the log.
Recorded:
3.24
